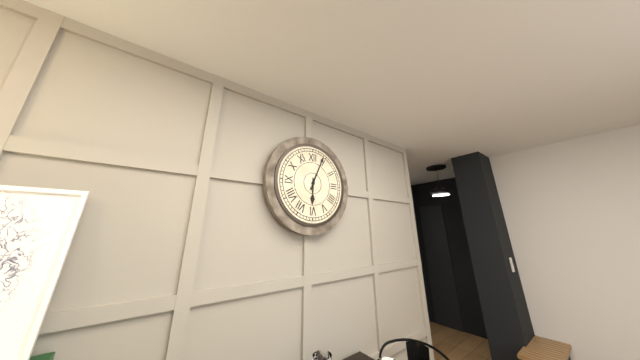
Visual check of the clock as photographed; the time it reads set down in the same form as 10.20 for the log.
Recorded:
6.04
